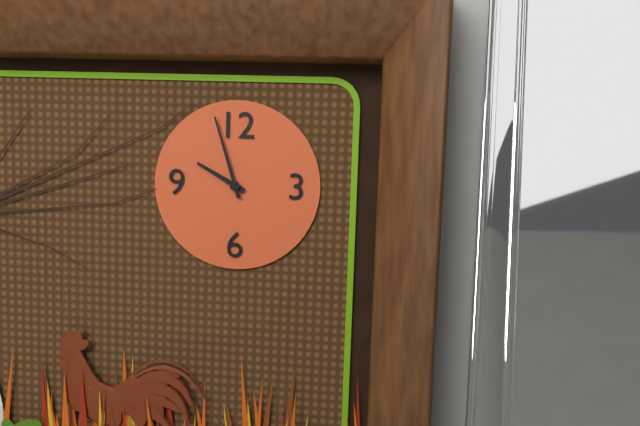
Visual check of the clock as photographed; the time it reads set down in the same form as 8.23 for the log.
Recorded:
9.57
